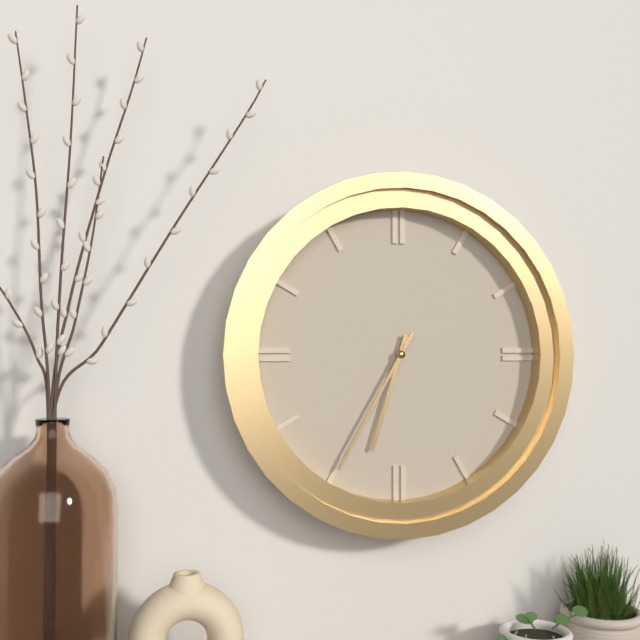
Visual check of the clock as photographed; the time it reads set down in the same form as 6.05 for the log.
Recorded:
6.35
